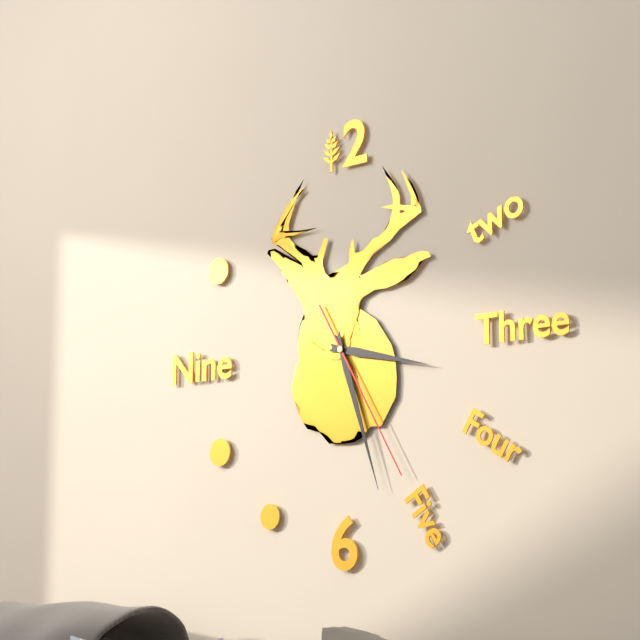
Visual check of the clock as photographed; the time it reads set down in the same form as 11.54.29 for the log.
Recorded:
3.27.25
